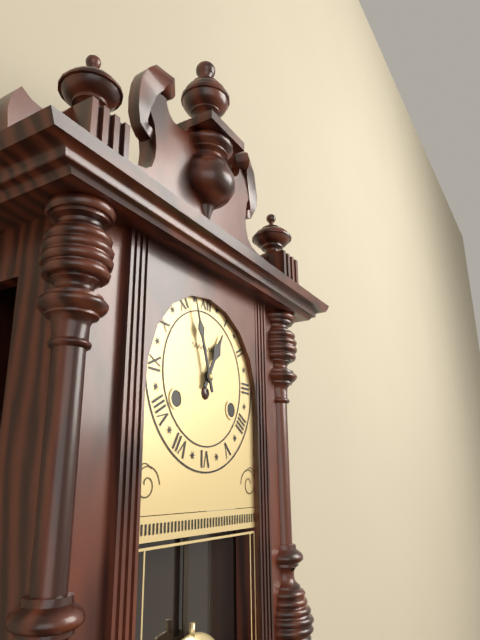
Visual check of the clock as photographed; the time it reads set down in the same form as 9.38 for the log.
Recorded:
12.57
